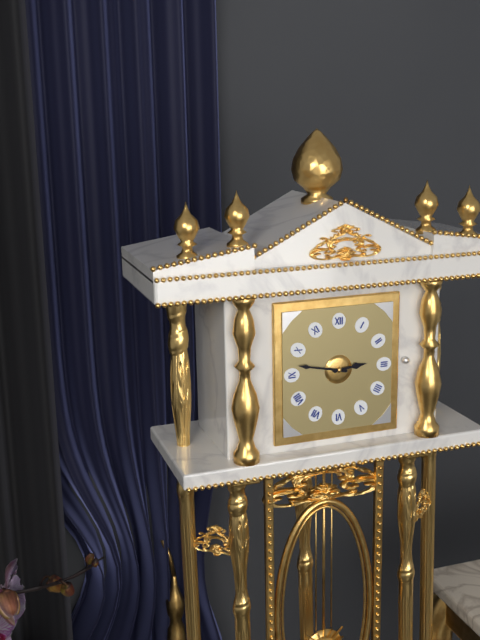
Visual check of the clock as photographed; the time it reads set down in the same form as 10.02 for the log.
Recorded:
2.47
